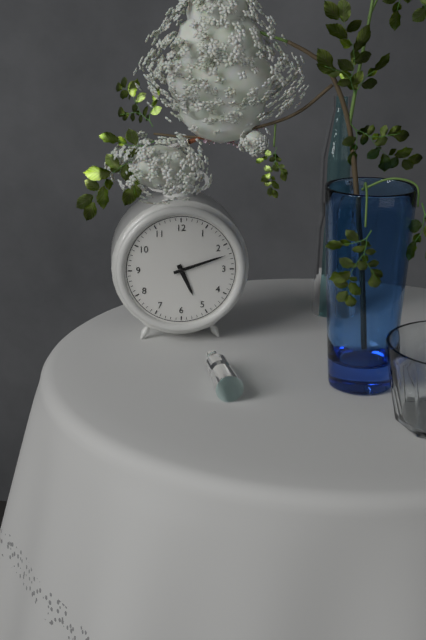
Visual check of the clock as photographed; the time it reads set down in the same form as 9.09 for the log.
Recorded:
5.12
